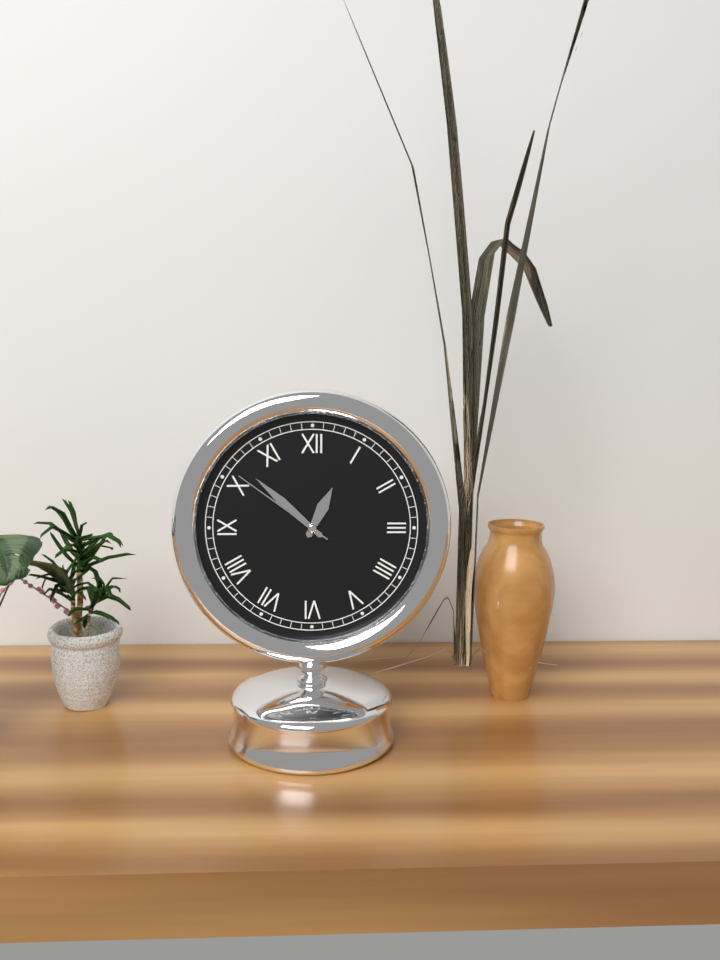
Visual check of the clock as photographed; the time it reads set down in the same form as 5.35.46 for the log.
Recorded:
12.52.51
